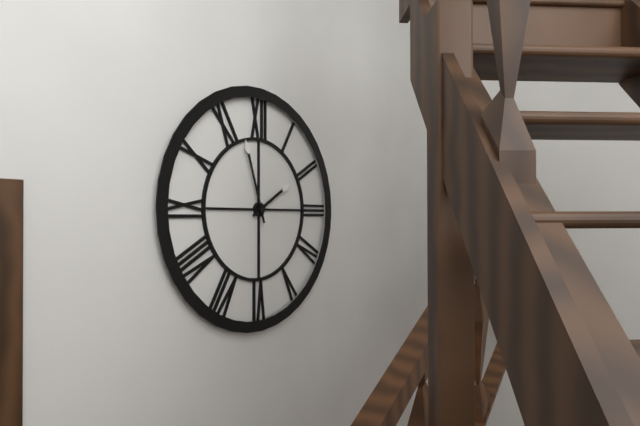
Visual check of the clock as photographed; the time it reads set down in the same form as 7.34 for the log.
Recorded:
1.57
